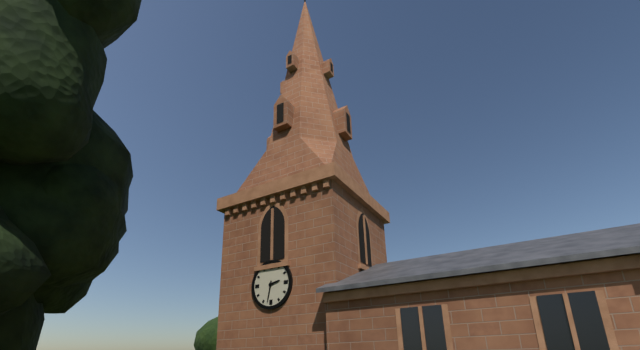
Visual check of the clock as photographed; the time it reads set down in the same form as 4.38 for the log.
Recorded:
2.32
